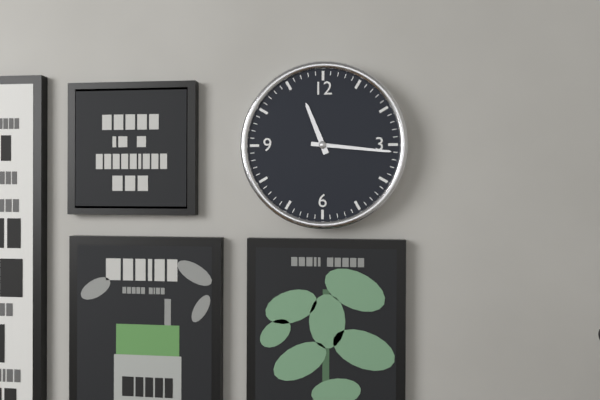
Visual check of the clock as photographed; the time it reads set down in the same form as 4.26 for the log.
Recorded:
11.16
